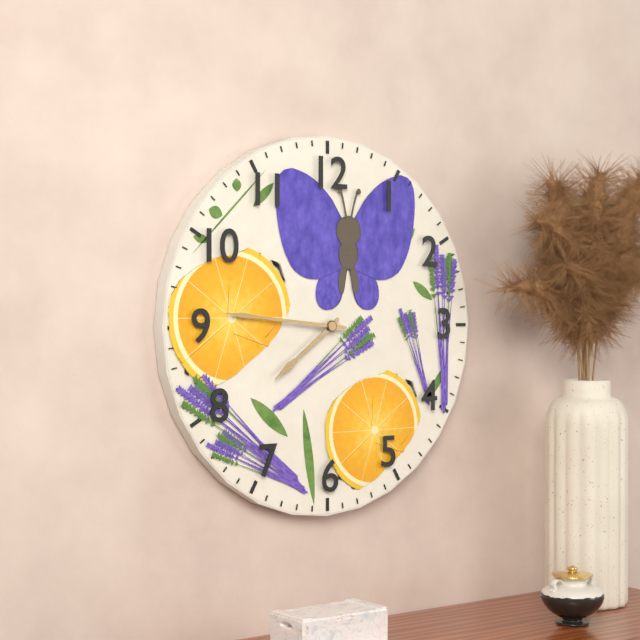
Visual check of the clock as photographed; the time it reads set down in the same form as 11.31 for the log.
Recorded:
7.46
